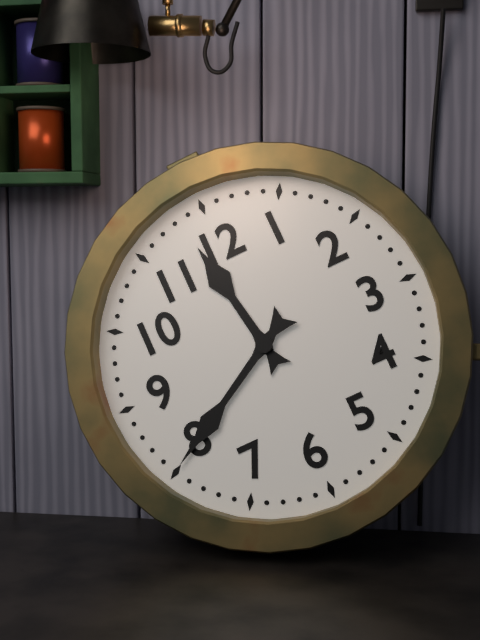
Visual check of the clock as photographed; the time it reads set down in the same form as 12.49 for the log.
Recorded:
11.40
